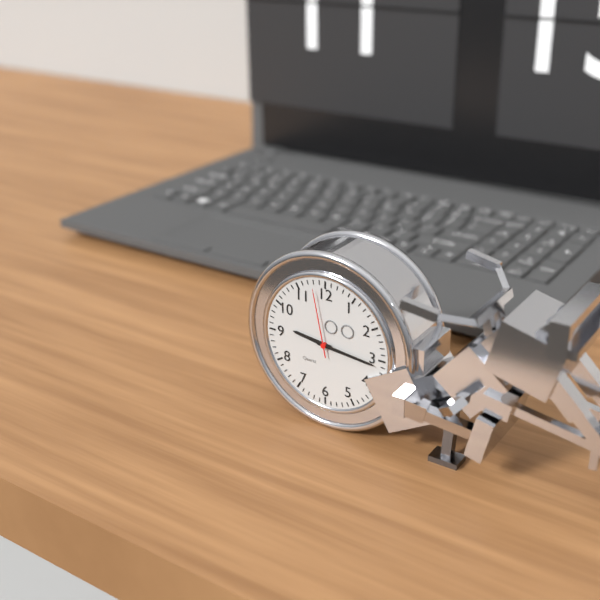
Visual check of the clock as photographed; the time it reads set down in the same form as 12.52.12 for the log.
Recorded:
9.16.58
